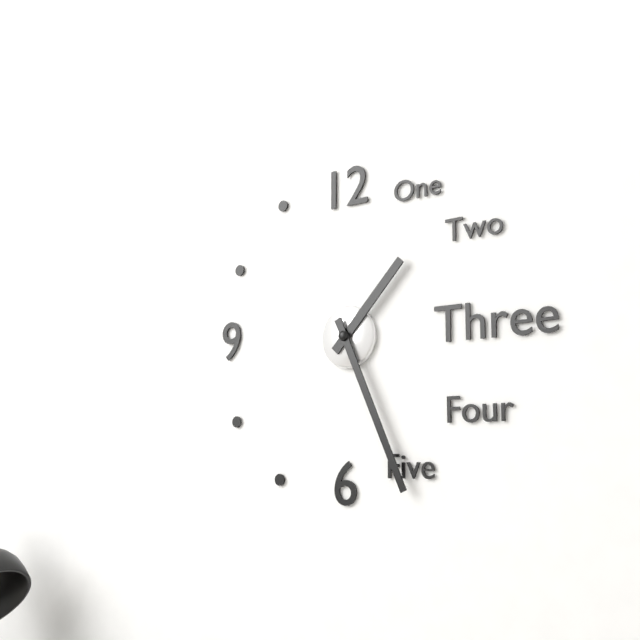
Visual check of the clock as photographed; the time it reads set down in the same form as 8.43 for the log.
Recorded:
1.26
